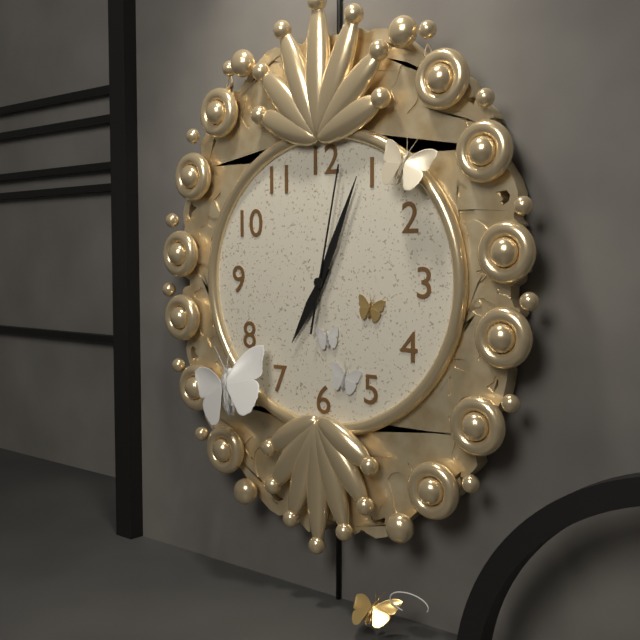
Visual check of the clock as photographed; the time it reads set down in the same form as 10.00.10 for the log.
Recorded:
7.04.02
